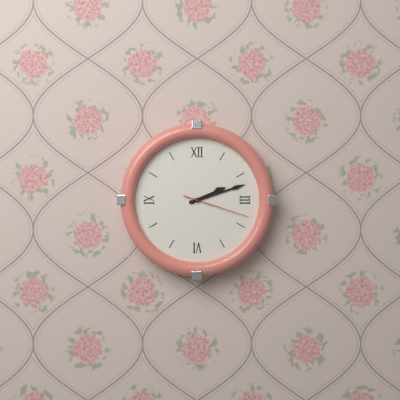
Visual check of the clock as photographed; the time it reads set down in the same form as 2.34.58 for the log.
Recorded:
2.12.18
